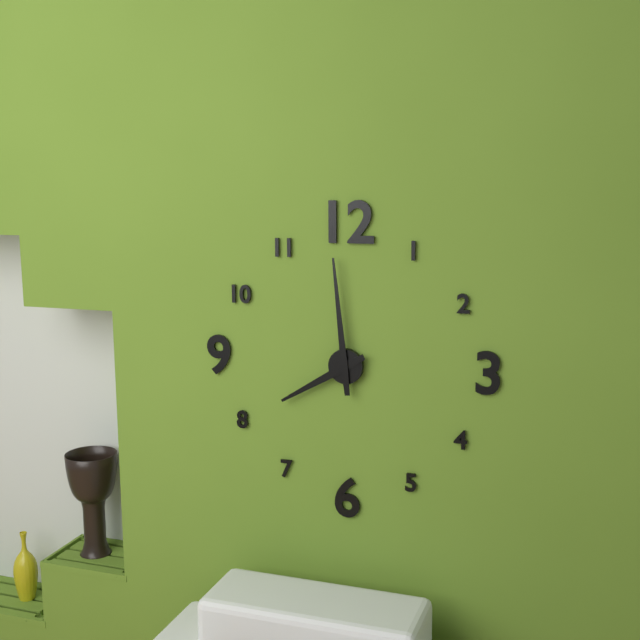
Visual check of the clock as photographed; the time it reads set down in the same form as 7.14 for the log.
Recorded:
7.59
